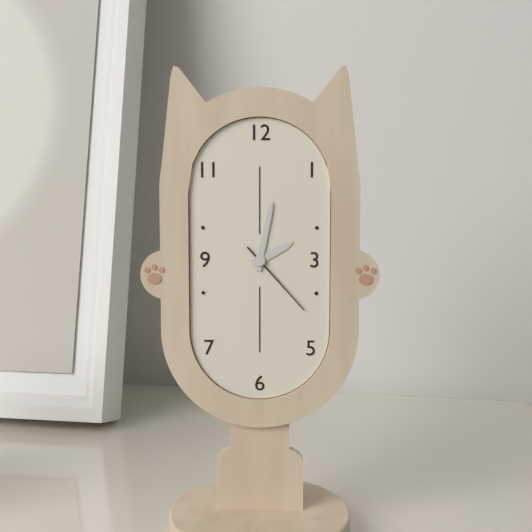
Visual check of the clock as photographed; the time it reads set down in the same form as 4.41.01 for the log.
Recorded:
2.02.23
